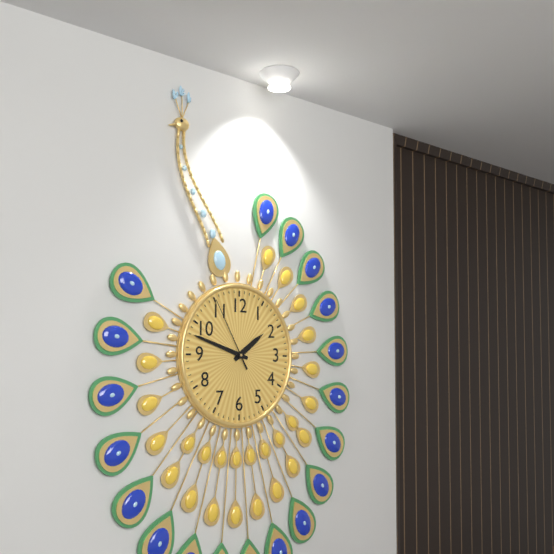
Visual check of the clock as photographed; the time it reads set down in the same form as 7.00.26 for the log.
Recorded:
1.48.55
